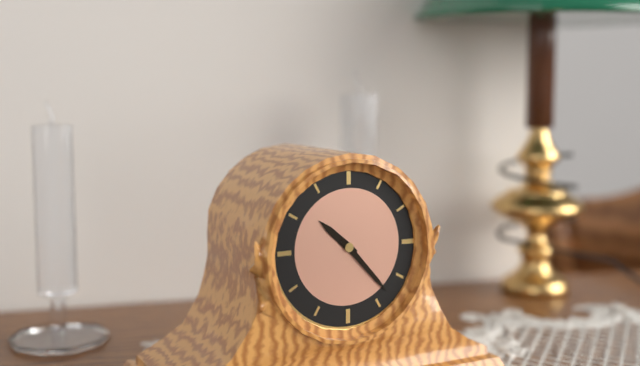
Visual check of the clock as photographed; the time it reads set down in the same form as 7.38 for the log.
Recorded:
10.23
